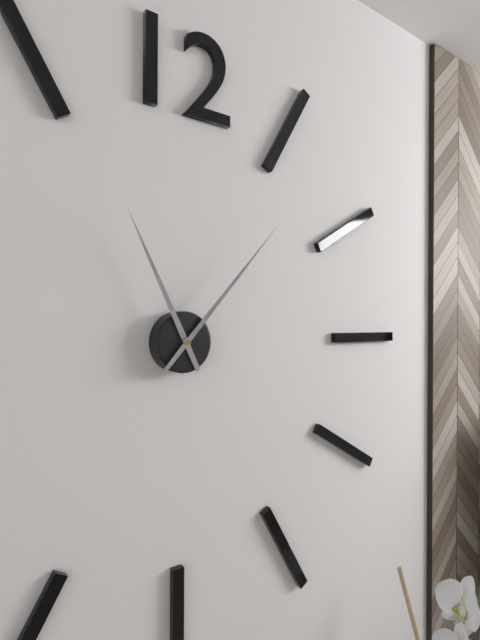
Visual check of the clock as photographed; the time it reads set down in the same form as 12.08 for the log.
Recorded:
11.07
